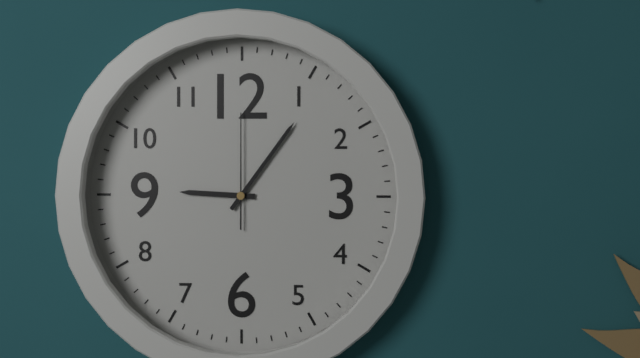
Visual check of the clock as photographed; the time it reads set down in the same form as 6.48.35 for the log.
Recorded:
9.06.00
